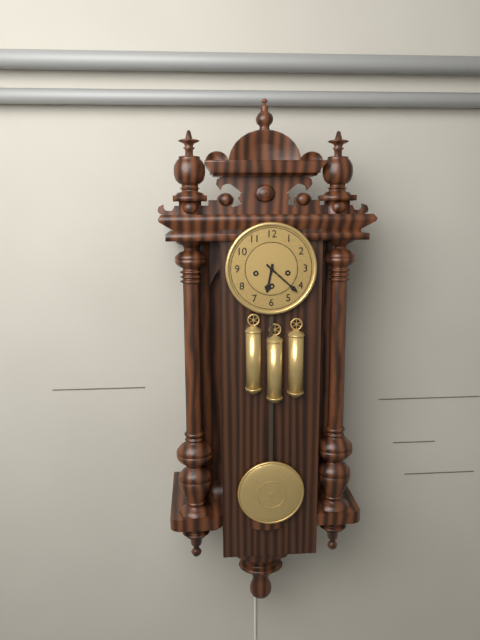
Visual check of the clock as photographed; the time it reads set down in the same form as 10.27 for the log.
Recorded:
6.22
